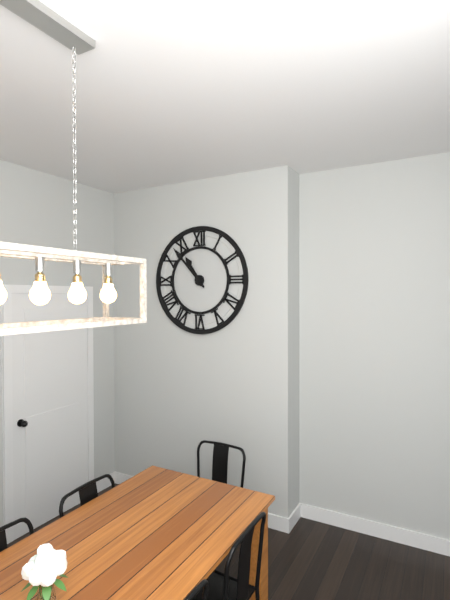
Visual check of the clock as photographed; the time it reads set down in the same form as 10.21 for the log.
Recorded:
10.53
